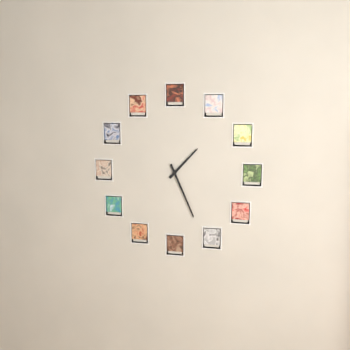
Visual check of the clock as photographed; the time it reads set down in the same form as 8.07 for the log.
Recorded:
1.26
